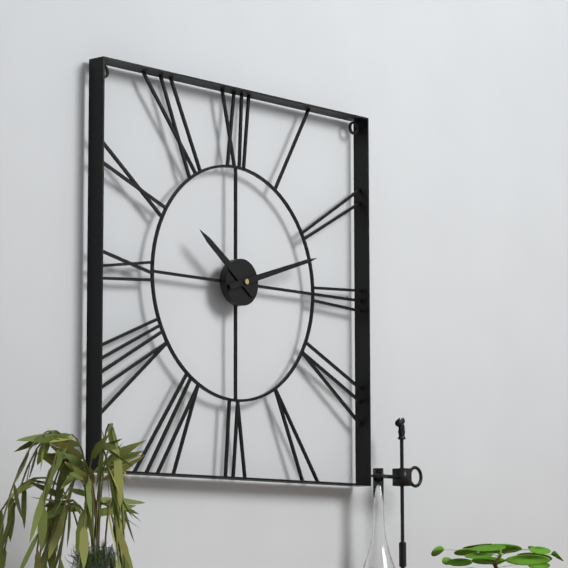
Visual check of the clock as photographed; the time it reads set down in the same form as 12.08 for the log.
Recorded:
10.12
